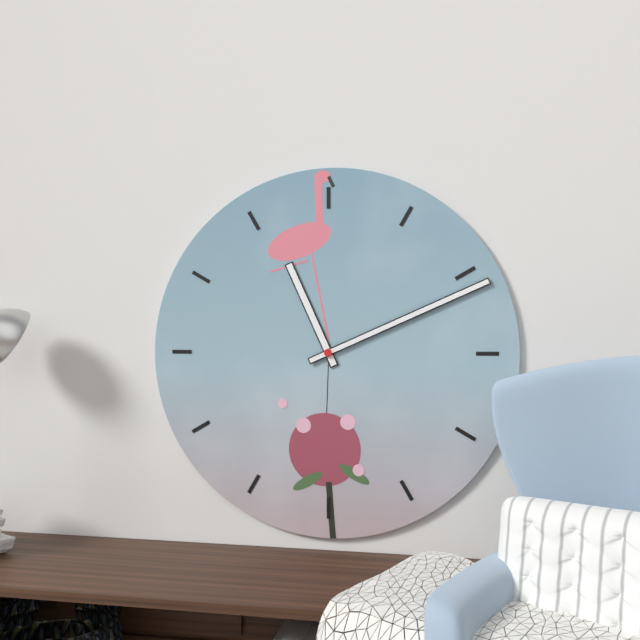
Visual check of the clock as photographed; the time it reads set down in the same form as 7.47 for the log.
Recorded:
11.11
